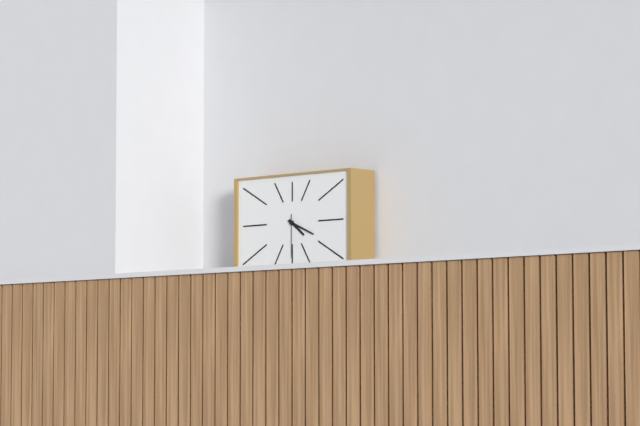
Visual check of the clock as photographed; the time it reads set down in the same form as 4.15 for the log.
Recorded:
4.19
